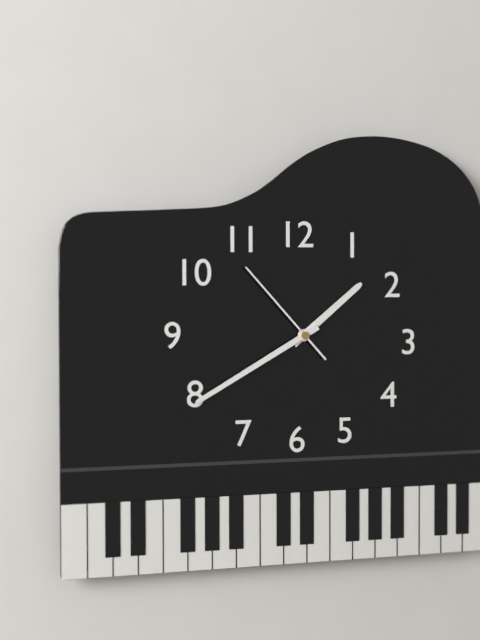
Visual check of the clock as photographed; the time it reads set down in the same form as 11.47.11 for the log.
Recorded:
1.40.53
